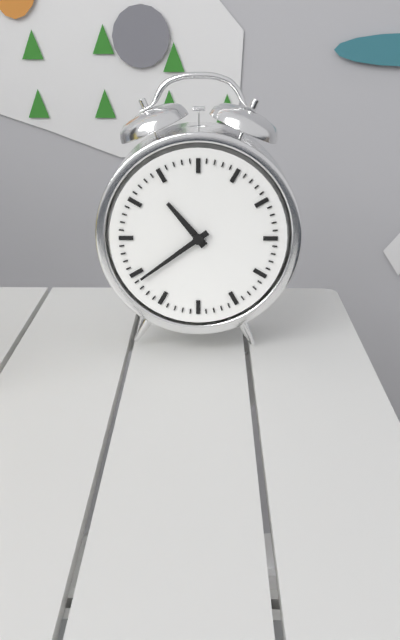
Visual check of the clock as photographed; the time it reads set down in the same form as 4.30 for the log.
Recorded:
10.39
